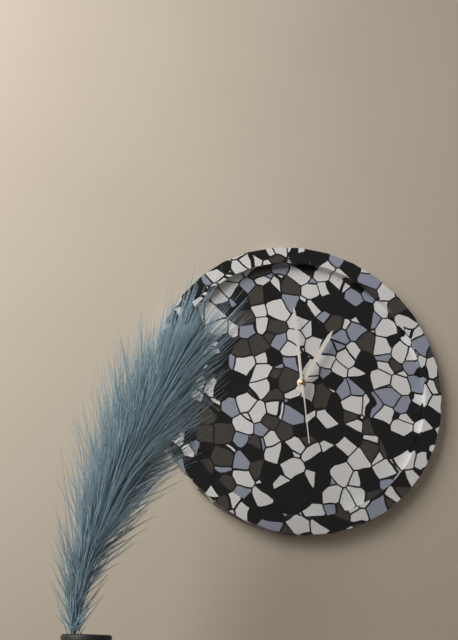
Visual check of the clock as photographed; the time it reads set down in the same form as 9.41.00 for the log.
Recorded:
12.59.29
